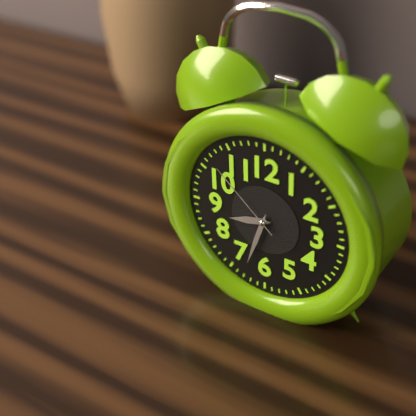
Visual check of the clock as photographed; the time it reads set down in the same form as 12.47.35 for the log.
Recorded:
8.33.52
